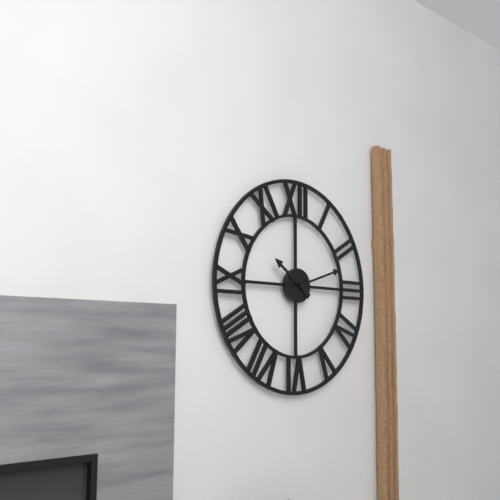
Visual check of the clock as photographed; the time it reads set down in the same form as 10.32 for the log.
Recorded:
10.12
